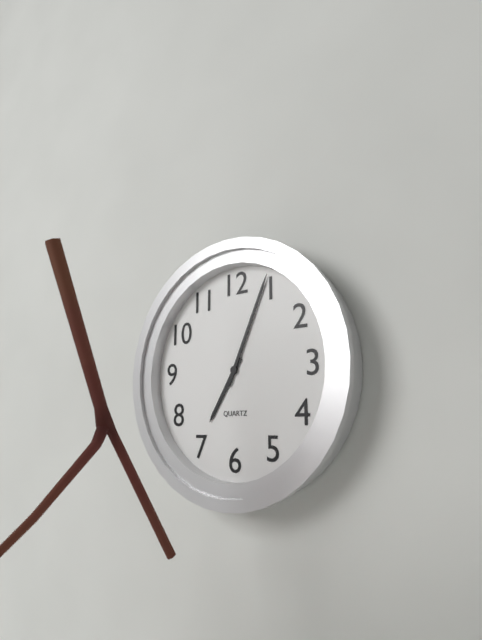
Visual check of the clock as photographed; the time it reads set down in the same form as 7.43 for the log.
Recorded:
7.04
